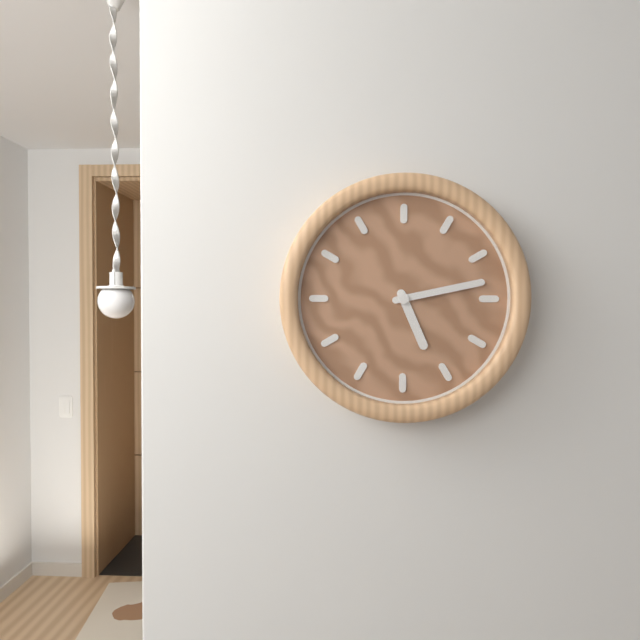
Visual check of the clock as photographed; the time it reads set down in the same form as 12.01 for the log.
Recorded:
5.13
